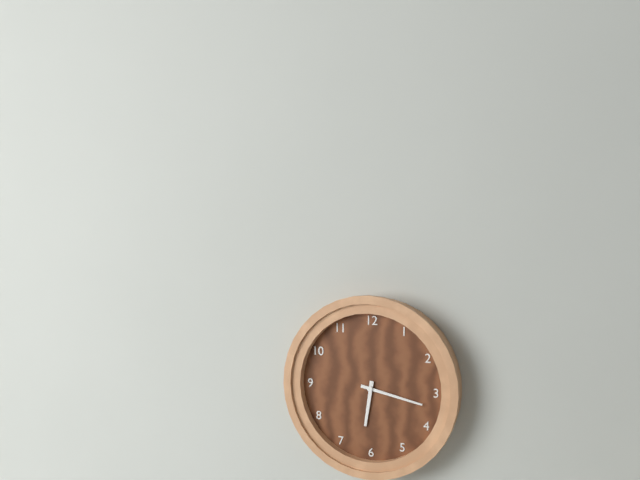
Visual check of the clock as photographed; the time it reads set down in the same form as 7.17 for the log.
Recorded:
6.17
